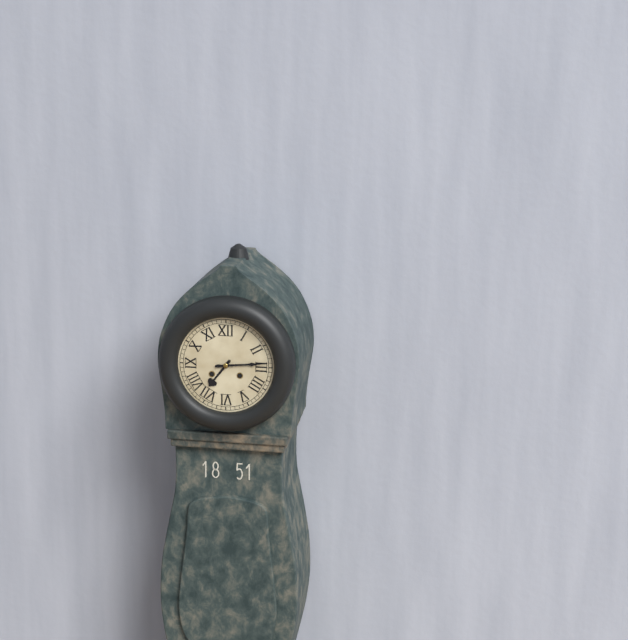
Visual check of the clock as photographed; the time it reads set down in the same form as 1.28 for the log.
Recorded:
7.14
